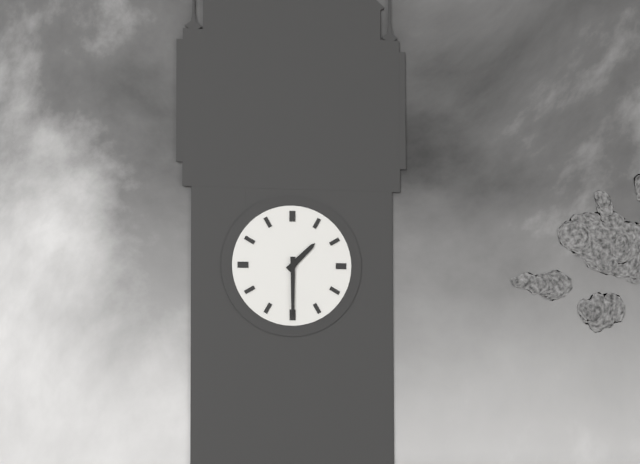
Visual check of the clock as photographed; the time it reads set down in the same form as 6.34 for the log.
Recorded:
1.30
